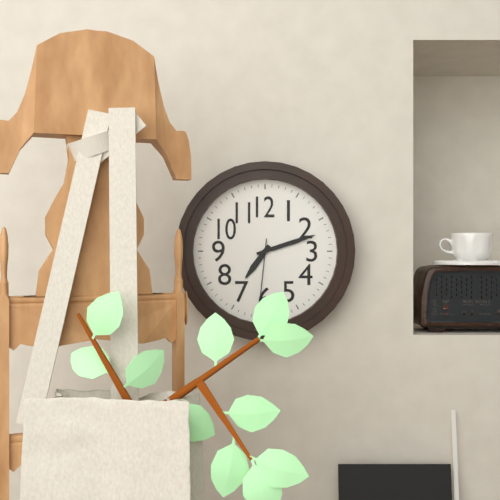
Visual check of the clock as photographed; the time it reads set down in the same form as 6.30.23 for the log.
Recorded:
7.12.31
